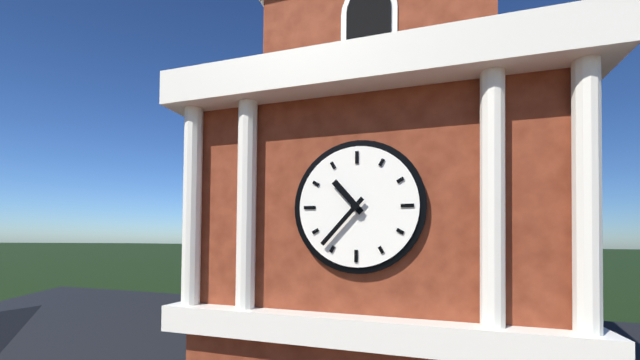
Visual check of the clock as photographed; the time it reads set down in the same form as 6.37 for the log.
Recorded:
10.37
